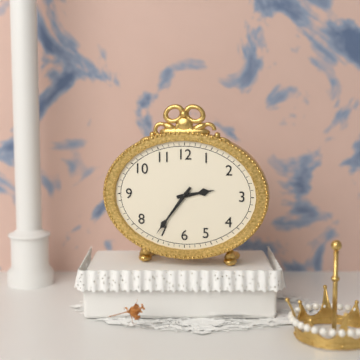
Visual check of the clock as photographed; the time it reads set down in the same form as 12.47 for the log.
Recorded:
2.36
